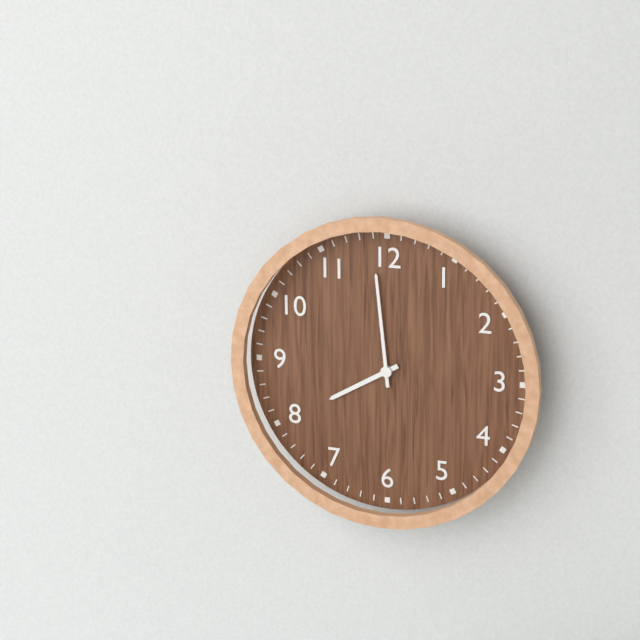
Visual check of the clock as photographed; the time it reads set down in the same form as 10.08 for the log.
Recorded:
7.59
